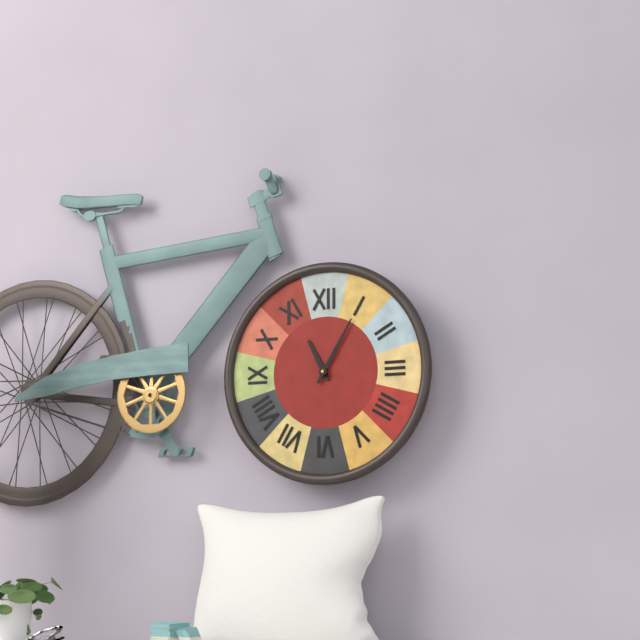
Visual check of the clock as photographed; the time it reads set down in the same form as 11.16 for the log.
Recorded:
11.05
